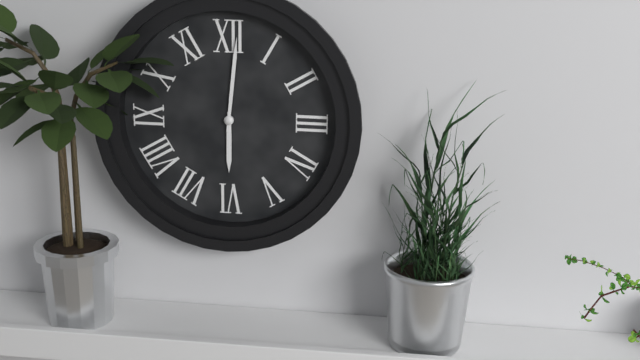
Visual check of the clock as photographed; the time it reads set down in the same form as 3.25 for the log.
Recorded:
6.01
